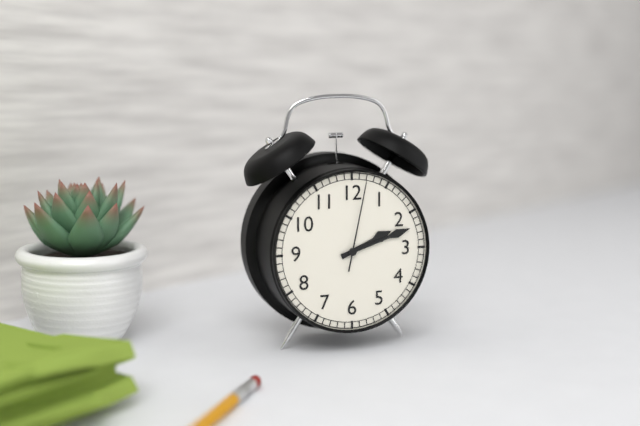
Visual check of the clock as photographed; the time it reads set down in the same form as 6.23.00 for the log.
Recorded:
2.12.02
